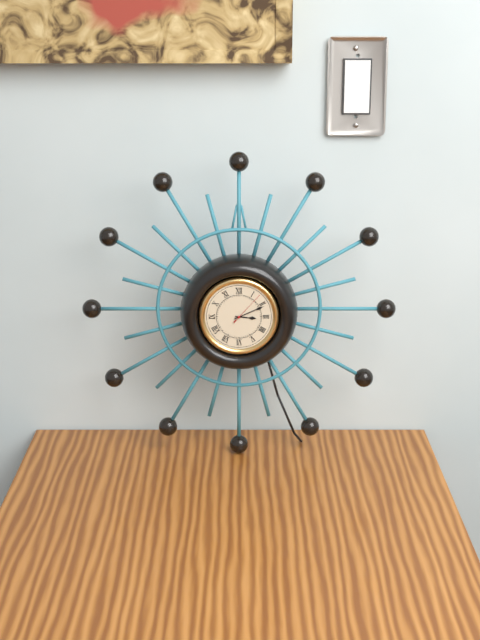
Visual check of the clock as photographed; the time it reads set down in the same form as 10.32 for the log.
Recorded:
3.11
